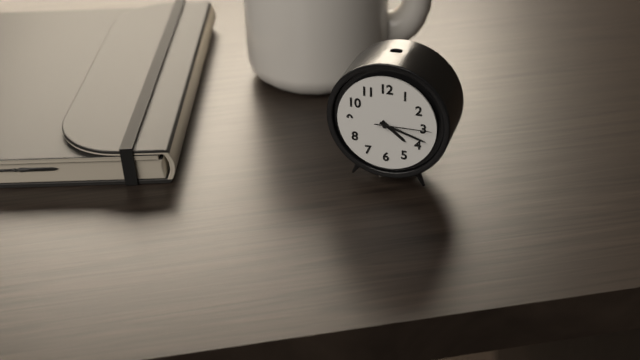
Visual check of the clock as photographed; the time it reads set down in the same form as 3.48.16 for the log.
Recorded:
4.18.15
